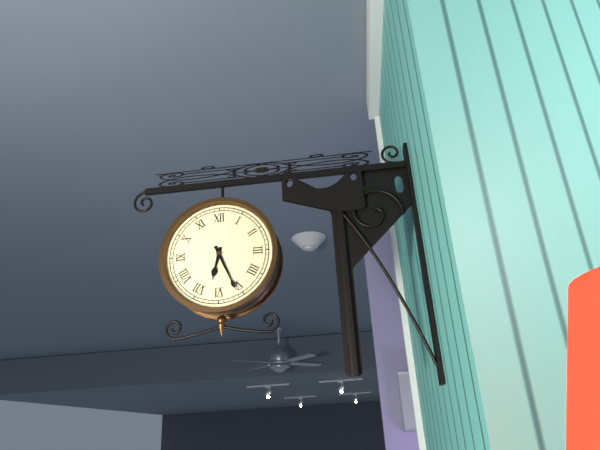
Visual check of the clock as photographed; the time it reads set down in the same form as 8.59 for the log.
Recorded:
6.26
